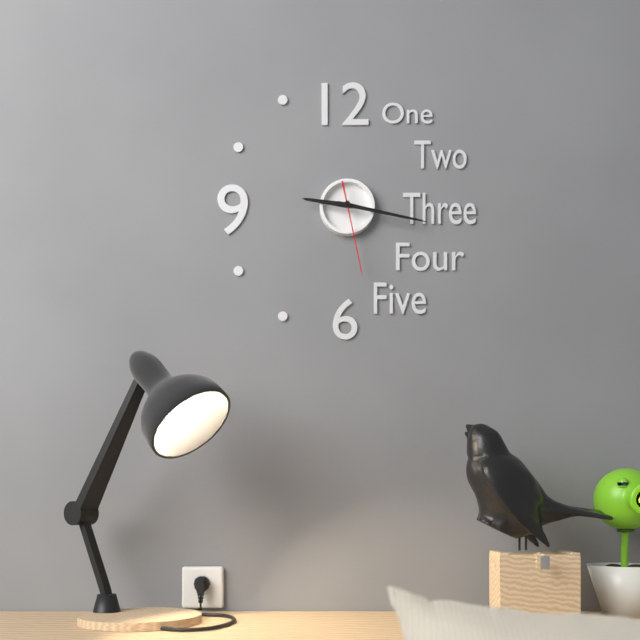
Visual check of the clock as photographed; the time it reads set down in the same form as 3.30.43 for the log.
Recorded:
9.17.28
